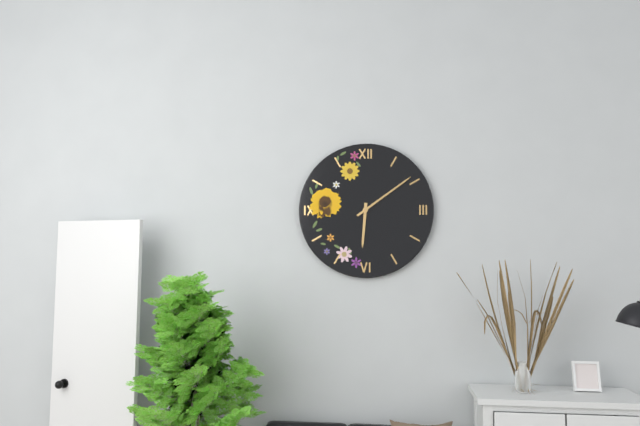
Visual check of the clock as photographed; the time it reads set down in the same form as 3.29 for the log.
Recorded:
6.09
